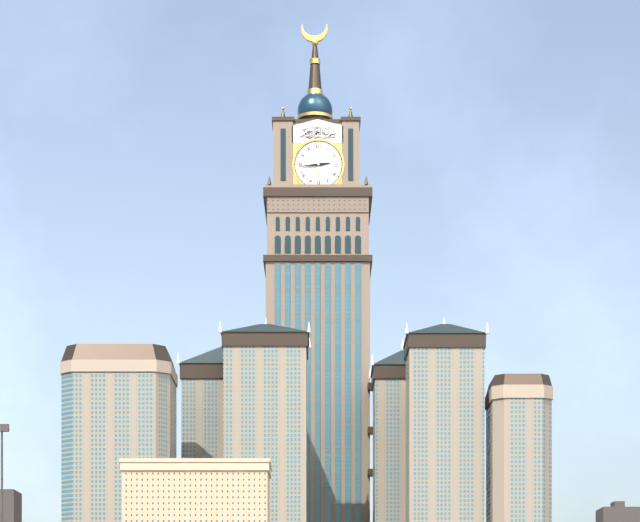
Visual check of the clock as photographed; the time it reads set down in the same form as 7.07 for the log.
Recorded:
2.44
